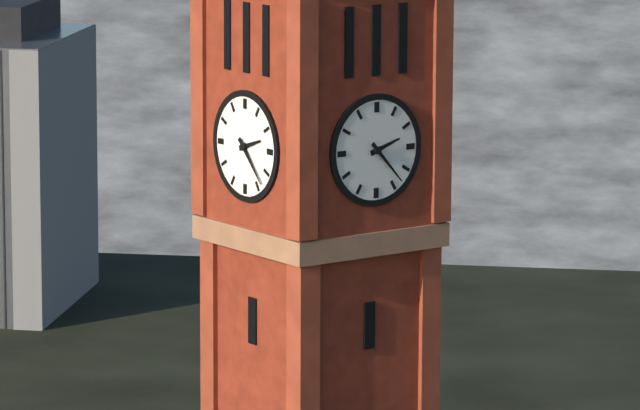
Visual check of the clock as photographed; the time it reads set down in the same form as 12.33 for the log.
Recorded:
2.23
